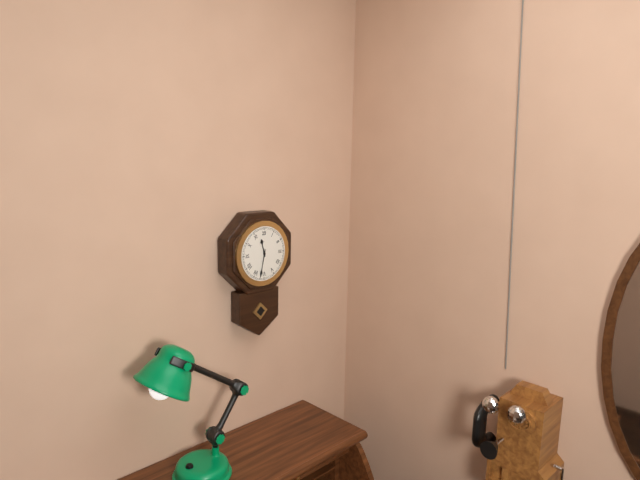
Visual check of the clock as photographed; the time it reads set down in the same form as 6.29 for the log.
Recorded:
11.32
